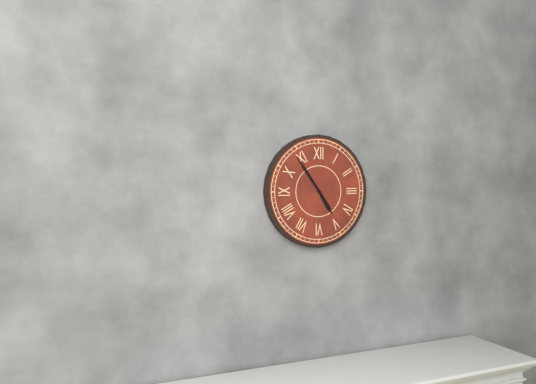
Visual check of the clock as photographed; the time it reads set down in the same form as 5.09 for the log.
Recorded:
4.54
